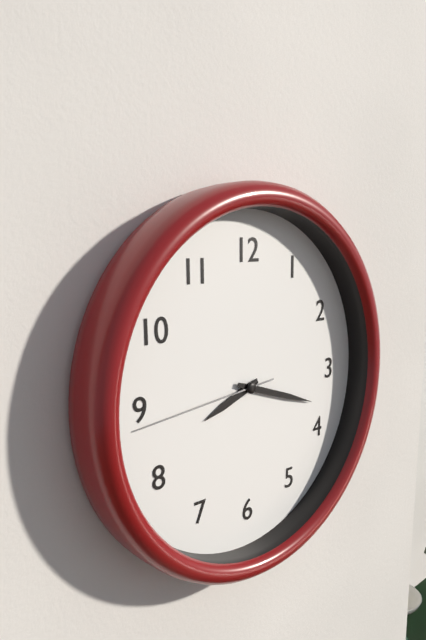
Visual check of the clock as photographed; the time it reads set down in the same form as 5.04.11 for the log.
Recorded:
8.18.44
